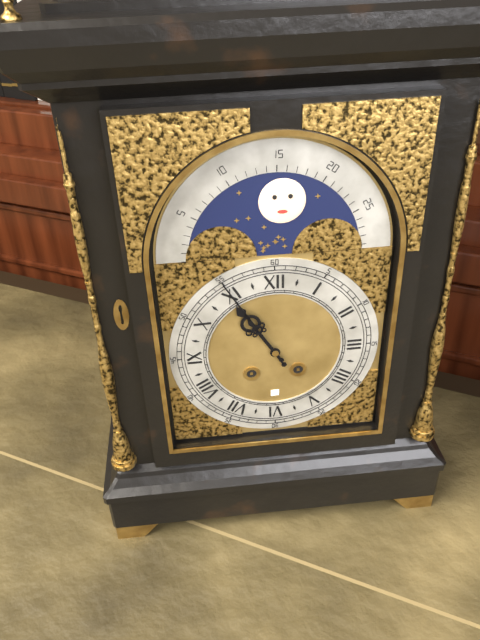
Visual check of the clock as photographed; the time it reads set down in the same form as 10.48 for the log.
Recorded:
10.55
